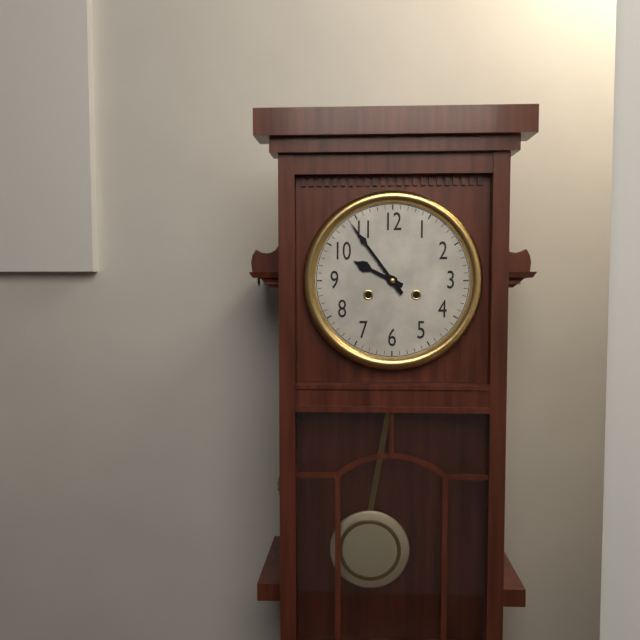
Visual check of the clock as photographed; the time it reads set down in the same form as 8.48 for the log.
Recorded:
9.54
